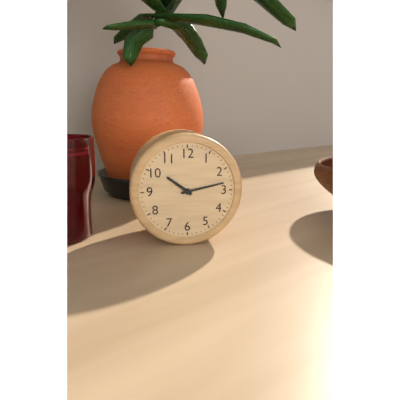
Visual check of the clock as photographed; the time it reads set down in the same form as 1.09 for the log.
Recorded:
10.13
